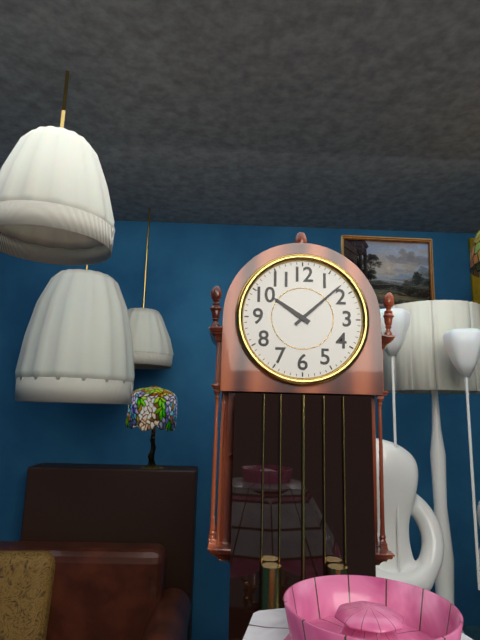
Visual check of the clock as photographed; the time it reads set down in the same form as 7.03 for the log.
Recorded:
10.08
